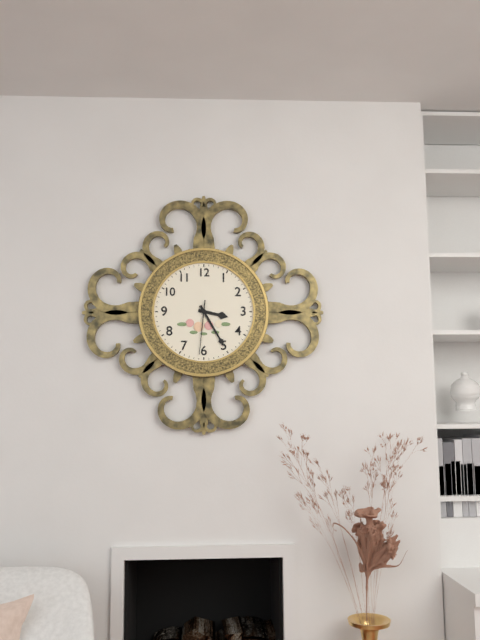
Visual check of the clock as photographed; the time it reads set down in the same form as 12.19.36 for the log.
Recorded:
3.25.31
